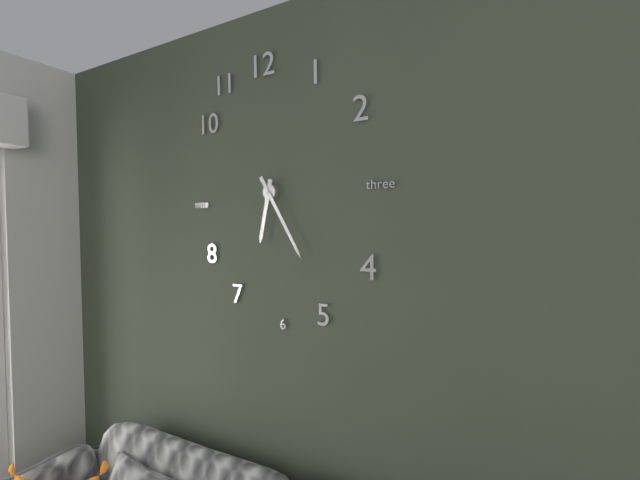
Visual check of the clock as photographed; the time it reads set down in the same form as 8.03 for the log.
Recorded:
6.25
